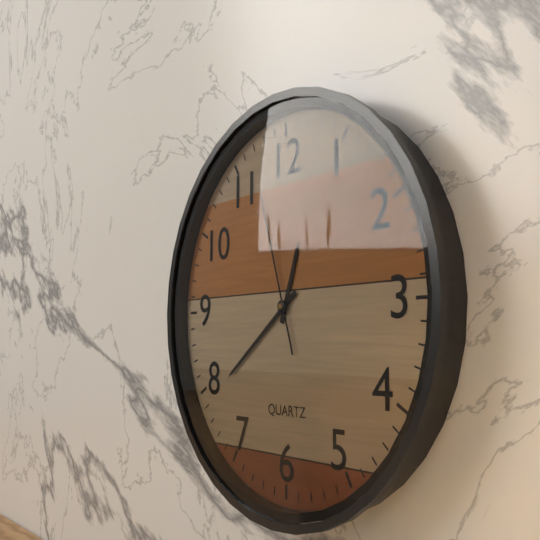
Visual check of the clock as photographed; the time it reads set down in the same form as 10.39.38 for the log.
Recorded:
12.39.57
